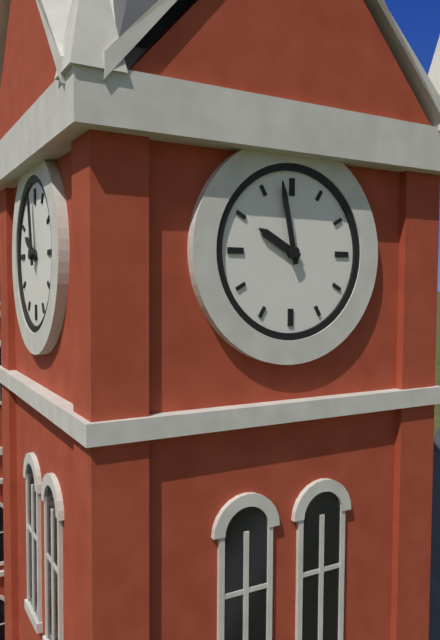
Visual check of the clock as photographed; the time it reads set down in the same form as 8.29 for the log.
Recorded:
9.58
